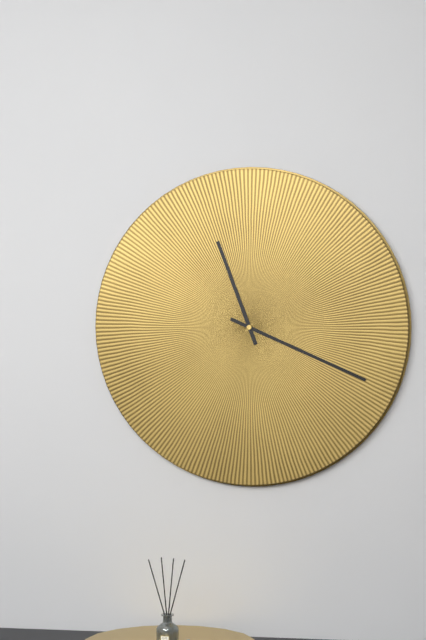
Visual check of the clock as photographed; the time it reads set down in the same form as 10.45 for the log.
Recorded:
11.19
